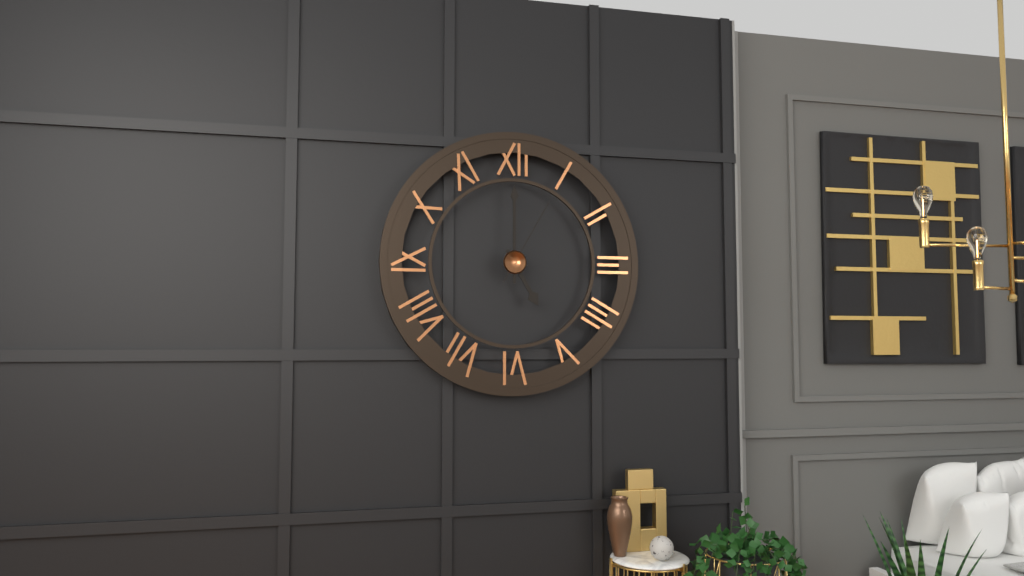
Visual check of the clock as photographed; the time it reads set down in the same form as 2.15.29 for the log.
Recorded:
5.00.05
